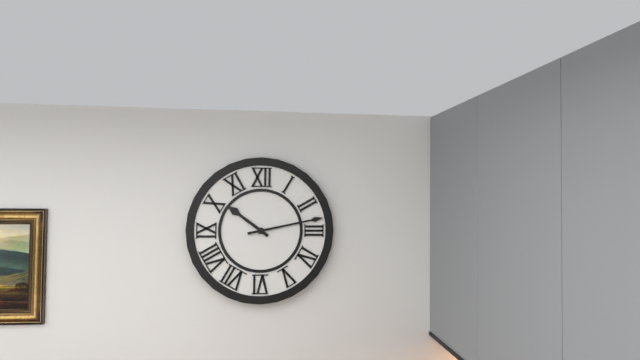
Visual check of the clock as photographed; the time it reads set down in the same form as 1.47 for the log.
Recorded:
10.13
